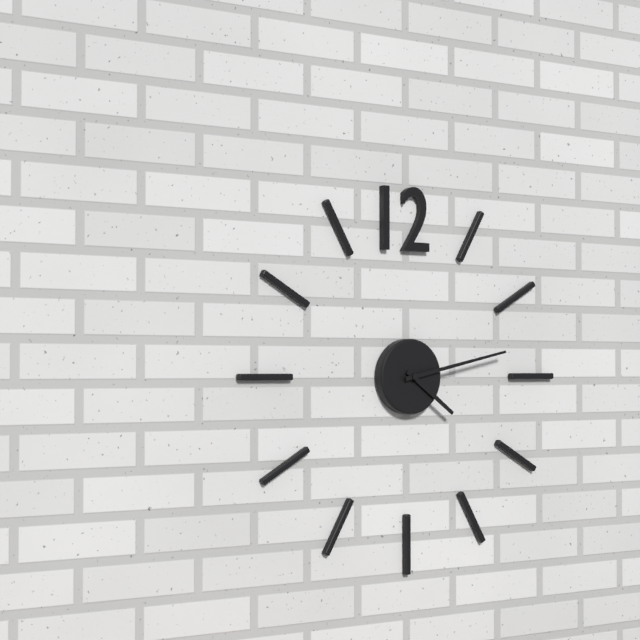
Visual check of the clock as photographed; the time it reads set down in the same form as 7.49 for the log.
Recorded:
4.13
